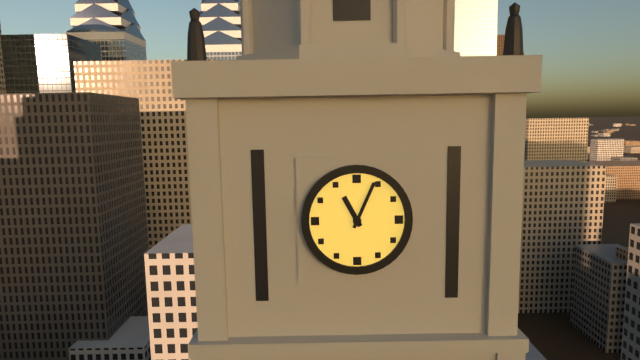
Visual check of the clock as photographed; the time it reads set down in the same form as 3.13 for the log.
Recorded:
11.04
